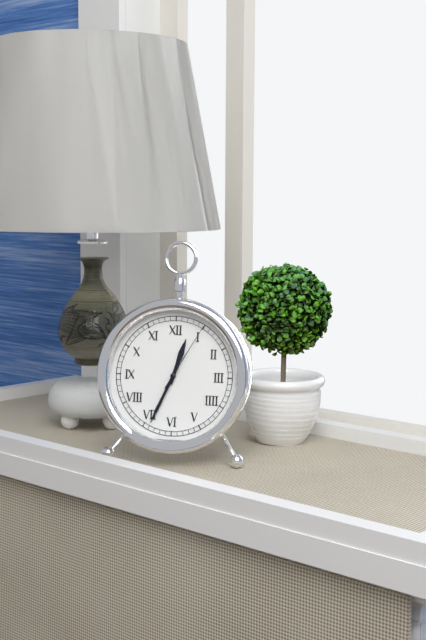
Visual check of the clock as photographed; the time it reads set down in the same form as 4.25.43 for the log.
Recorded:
12.34.05
